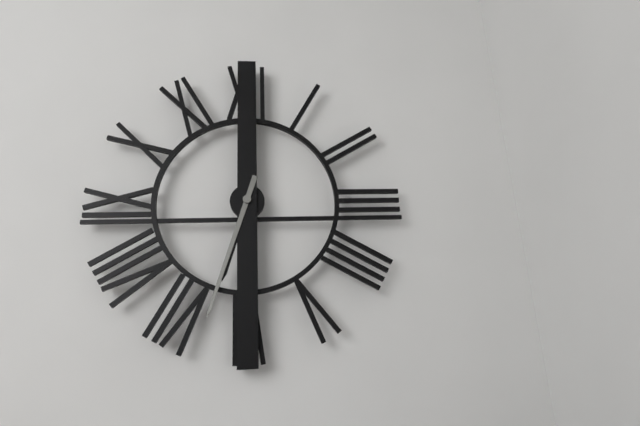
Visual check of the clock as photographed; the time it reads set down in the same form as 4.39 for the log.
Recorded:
6.33
